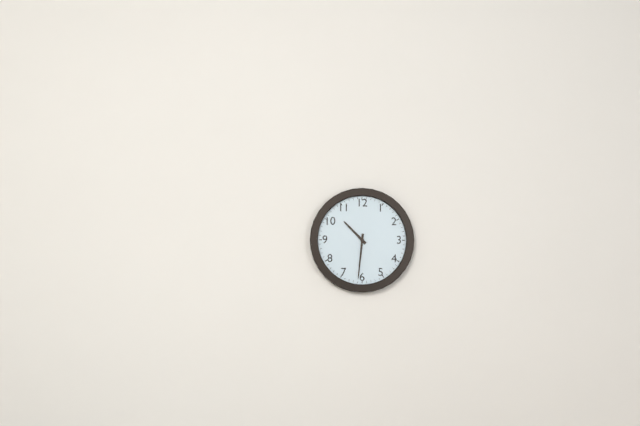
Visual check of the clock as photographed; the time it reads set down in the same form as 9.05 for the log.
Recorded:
10.31
